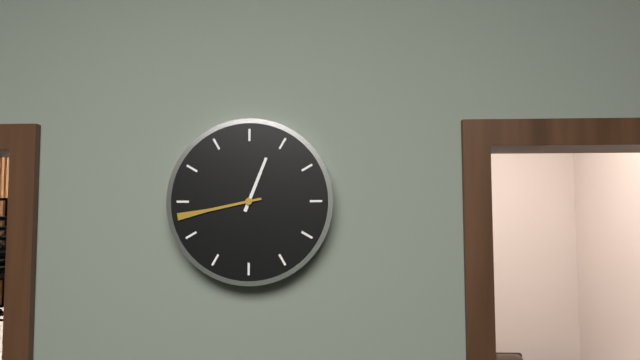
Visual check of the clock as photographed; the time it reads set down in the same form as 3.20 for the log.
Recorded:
12.43
